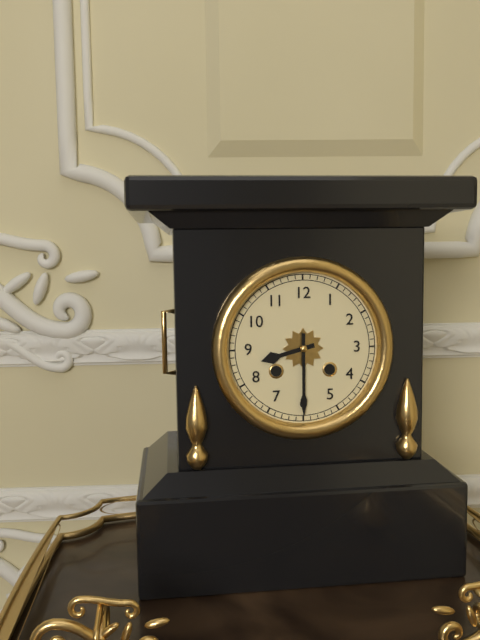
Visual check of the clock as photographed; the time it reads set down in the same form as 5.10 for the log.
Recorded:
8.30
